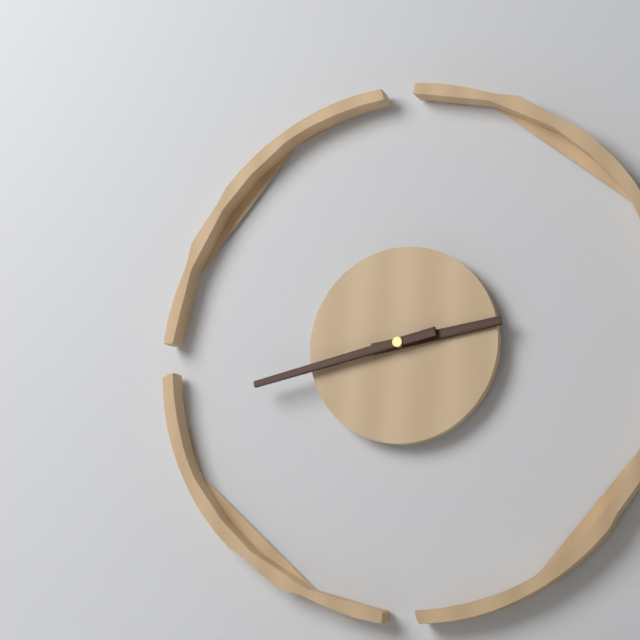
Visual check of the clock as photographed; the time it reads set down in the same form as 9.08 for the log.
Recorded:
2.43
